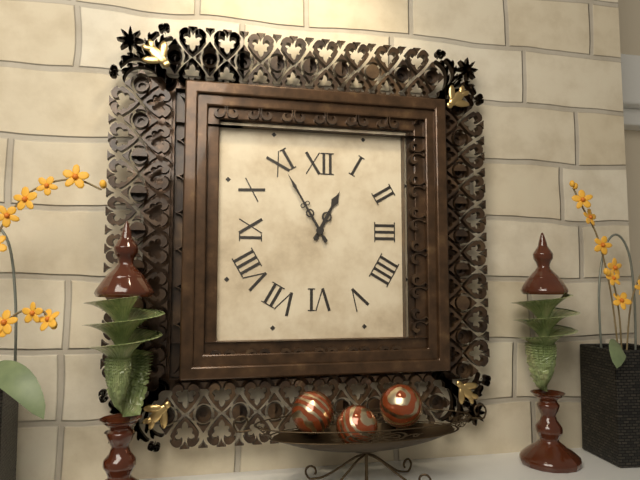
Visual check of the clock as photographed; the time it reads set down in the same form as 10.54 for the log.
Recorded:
12.55
